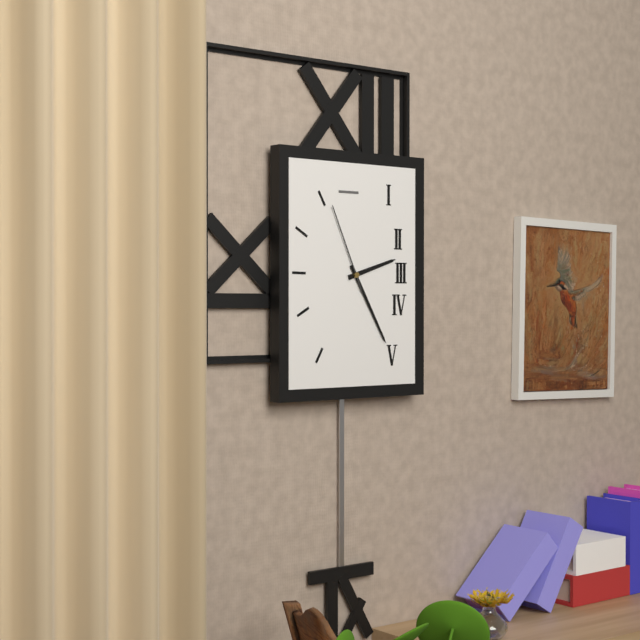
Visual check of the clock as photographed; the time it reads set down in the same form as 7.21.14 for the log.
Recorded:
2.25.56
